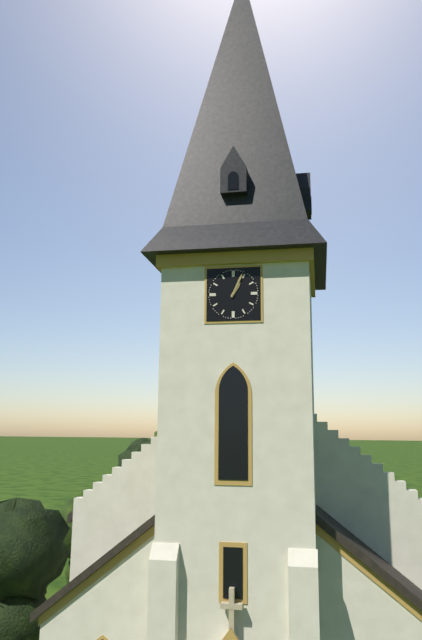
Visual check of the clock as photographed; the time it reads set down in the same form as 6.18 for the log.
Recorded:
1.04
